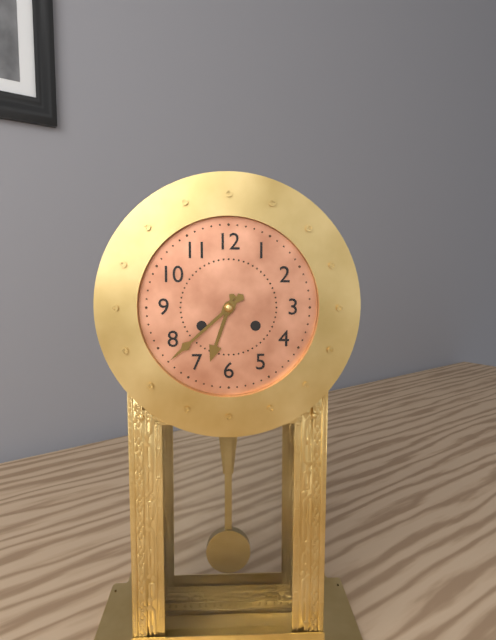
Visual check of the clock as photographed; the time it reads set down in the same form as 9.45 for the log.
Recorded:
6.38
